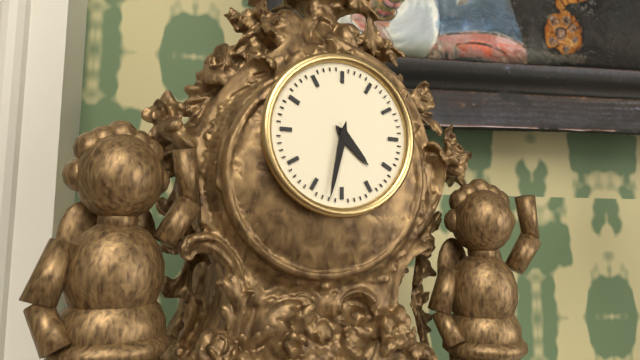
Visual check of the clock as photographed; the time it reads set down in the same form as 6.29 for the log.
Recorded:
4.32
